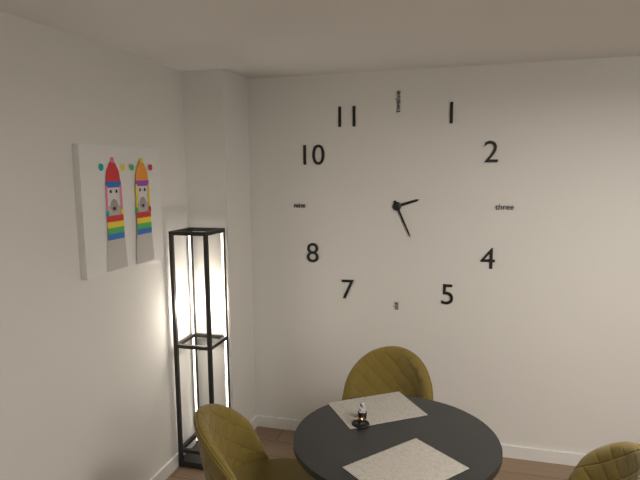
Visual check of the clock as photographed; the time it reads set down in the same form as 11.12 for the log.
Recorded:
2.26
